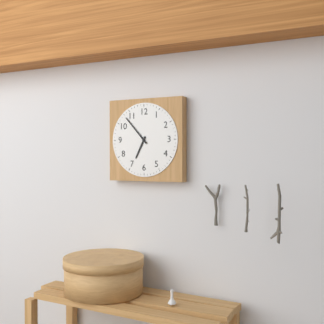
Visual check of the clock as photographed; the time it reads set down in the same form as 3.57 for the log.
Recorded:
6.53
